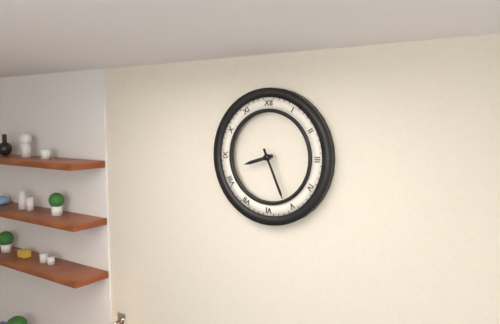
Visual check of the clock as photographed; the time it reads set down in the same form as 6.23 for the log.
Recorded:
8.26
